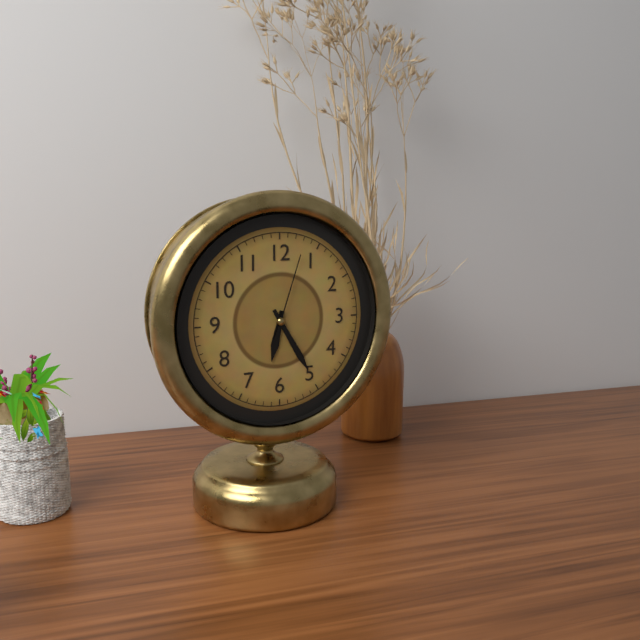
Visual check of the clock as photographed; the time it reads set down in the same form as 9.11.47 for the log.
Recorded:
6.25.03
